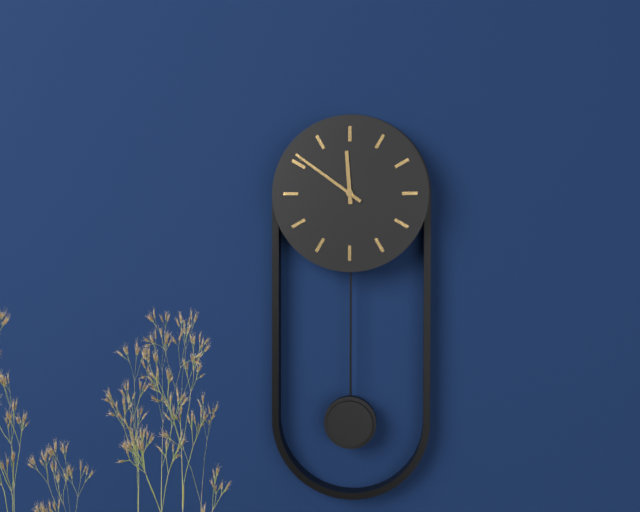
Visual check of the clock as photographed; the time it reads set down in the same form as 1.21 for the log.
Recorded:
11.51
